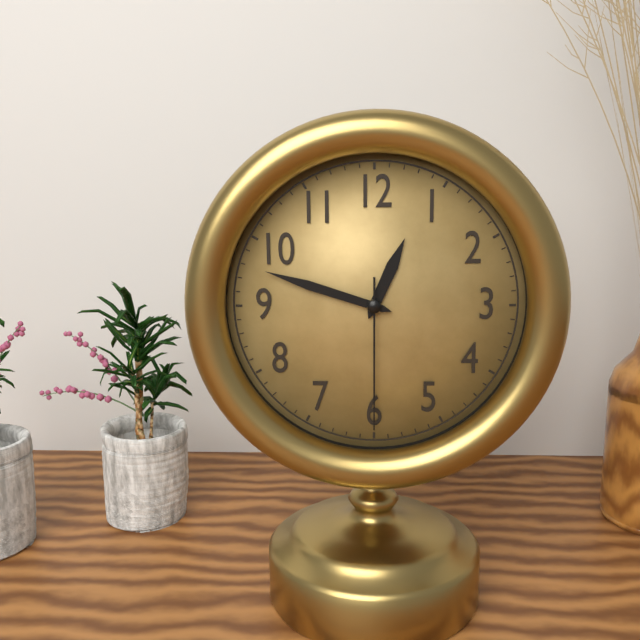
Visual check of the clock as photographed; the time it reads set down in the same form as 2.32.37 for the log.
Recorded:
12.48.30
